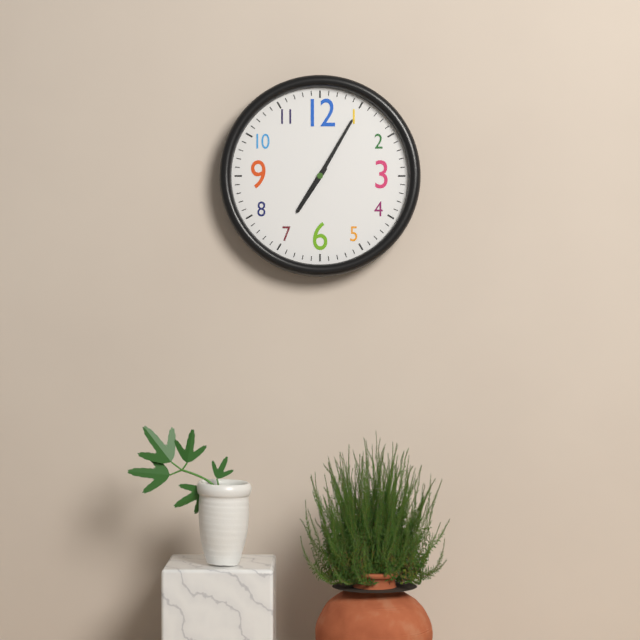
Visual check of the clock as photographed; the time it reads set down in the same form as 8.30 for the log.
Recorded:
7.05
